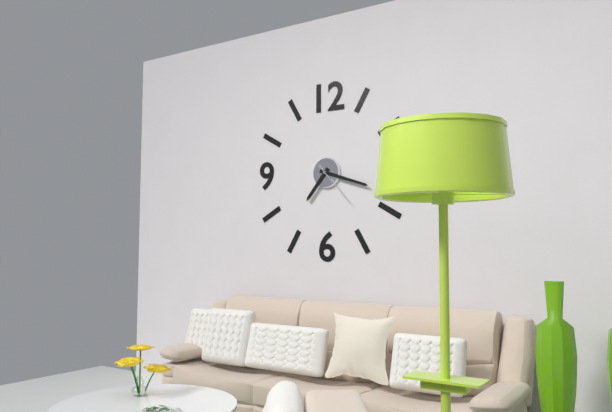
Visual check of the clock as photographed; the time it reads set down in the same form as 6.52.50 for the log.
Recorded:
7.18.23
